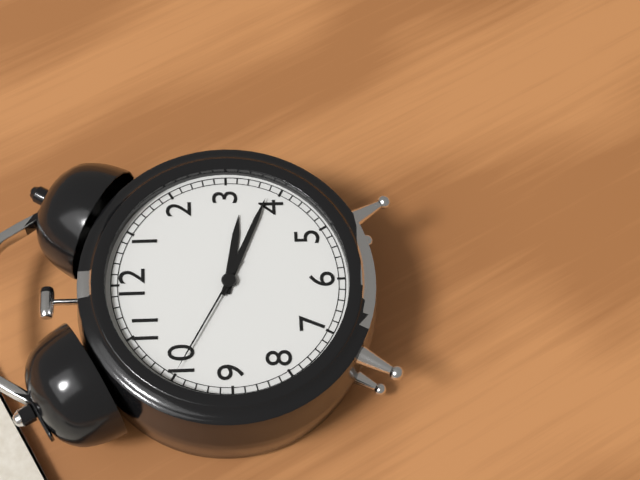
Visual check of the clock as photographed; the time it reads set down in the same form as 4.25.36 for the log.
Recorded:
3.19.50
